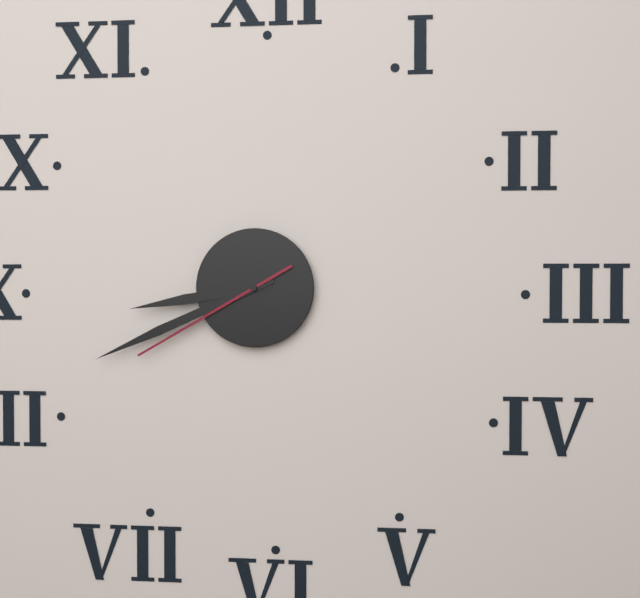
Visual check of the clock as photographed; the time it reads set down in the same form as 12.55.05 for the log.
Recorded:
8.41.40
